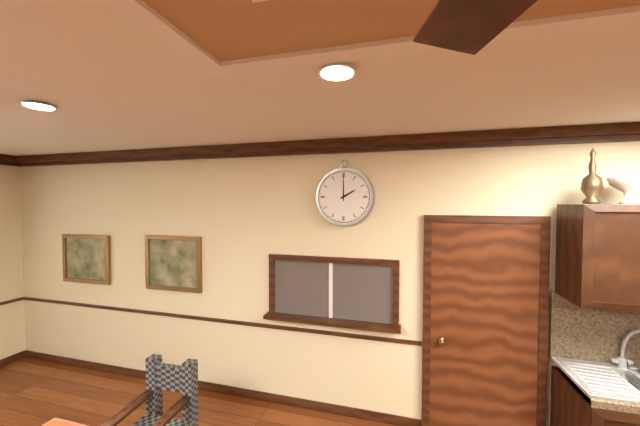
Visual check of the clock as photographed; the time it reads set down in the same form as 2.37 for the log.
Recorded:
2.00
